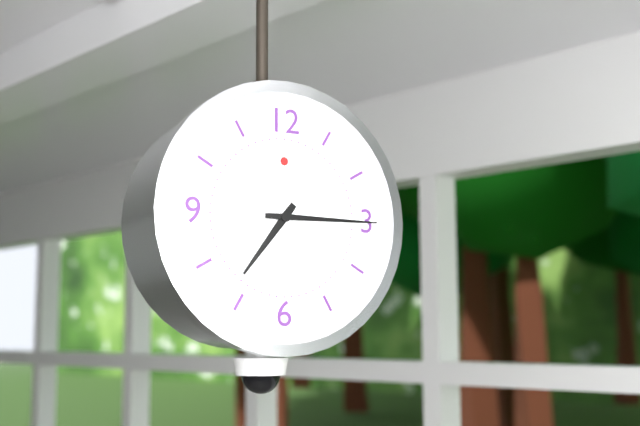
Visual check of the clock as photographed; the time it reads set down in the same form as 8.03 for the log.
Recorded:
7.15
